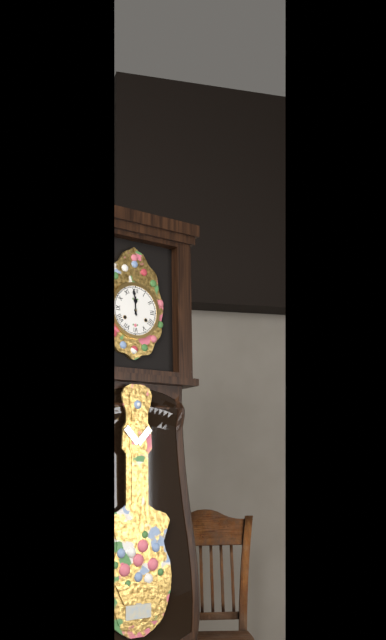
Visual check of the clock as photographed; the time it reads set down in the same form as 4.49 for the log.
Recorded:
11.59
